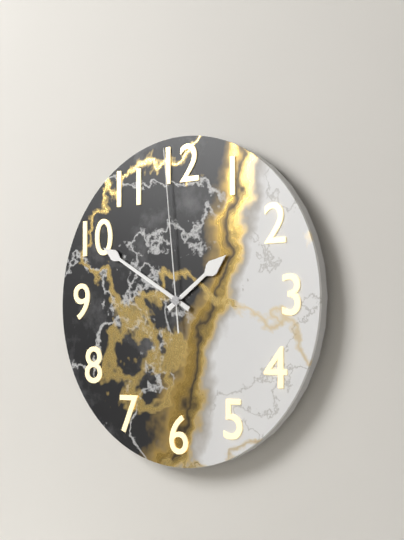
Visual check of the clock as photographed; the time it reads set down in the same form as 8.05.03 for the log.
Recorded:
1.50.59
